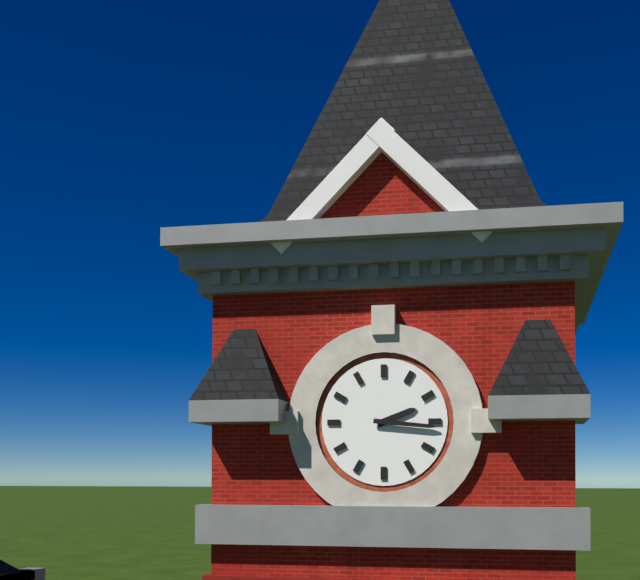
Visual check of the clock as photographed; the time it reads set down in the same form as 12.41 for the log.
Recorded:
2.16
